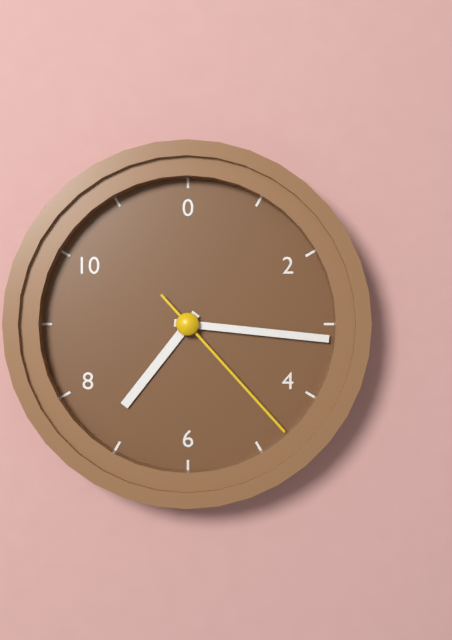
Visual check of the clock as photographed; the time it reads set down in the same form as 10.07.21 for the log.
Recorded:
7.16.23
